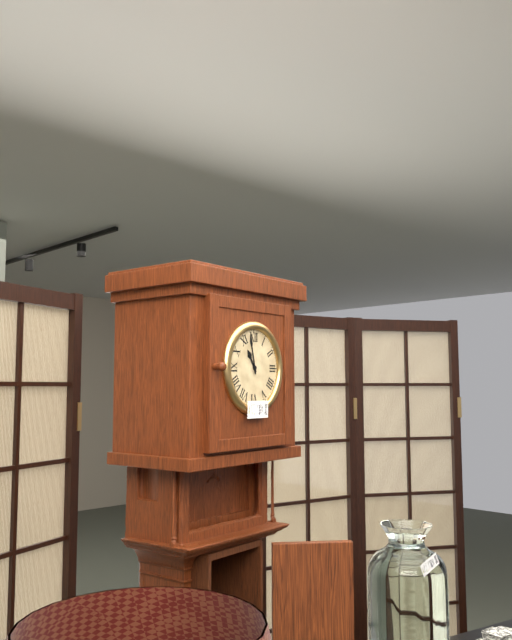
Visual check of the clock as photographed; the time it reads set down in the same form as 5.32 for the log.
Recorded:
10.58
